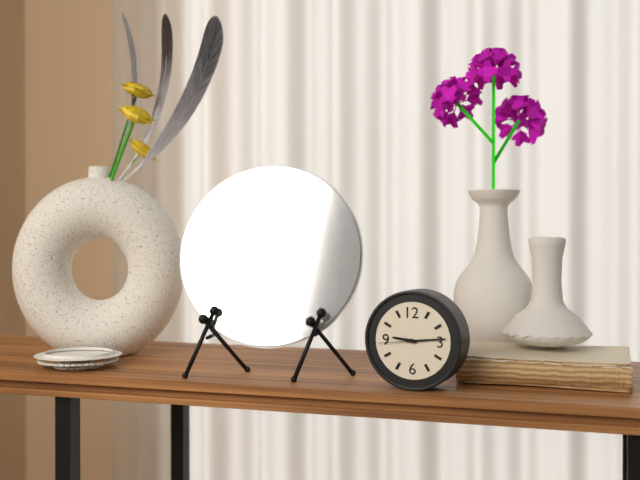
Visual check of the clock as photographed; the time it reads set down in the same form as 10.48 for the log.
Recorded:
9.14
